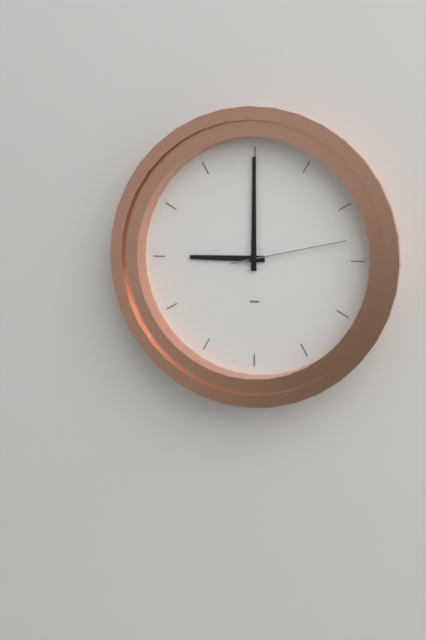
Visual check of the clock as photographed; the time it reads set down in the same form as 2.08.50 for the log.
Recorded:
9.00.13
